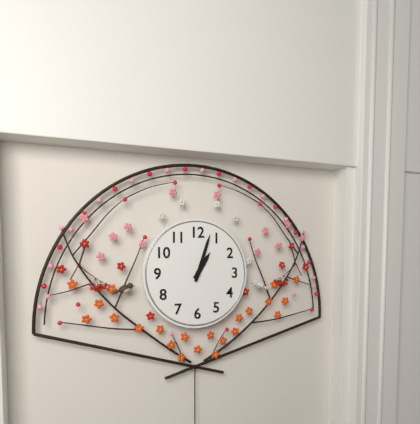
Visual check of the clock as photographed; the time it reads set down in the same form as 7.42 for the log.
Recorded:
1.03
